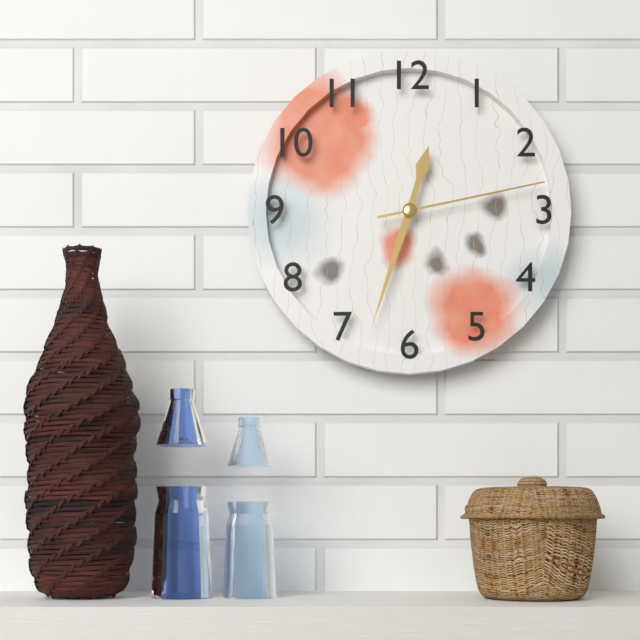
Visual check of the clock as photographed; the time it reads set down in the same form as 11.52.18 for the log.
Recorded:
12.33.13
